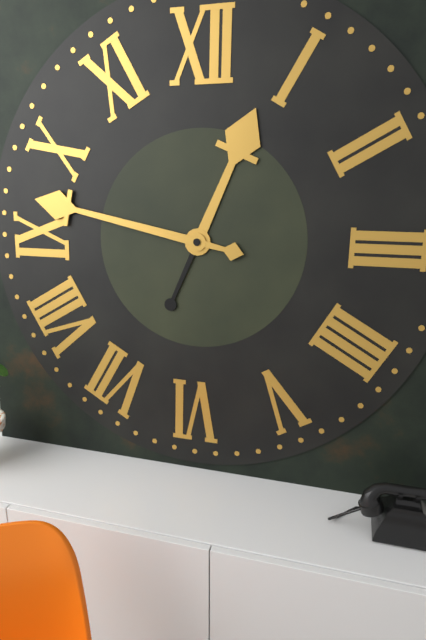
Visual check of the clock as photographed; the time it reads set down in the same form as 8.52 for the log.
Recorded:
12.47
